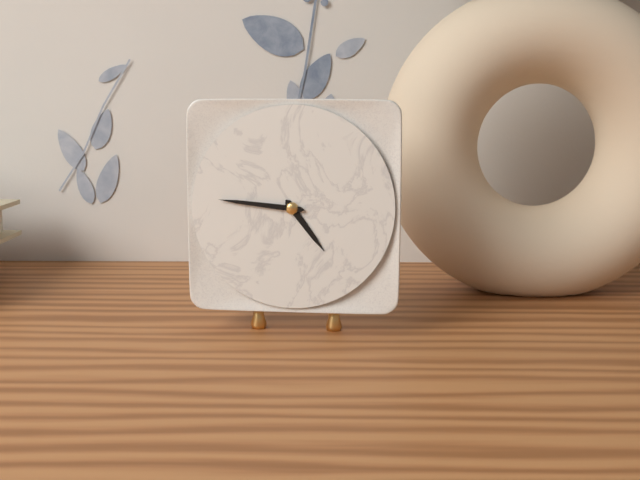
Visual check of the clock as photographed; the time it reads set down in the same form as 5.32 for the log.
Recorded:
4.46
